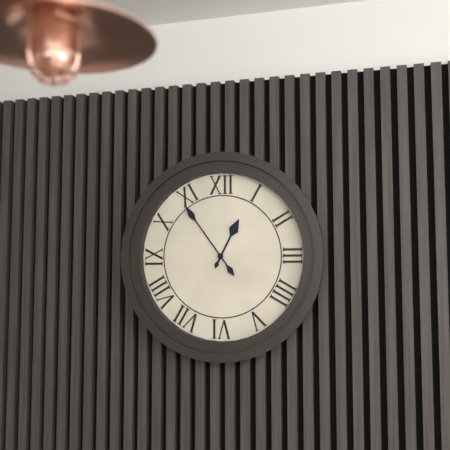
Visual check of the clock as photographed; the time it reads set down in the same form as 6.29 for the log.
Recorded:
12.54
